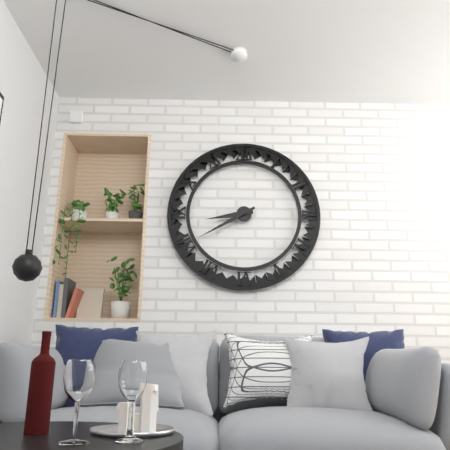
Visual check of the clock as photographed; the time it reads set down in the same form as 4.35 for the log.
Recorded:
8.40
